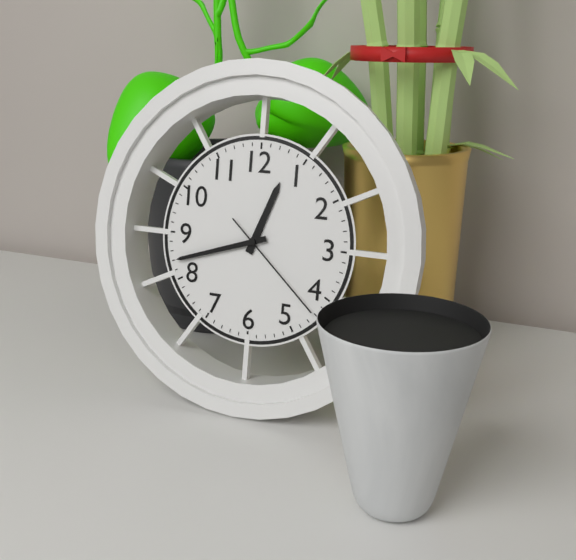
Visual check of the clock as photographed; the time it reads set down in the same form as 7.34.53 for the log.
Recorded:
12.42.22
